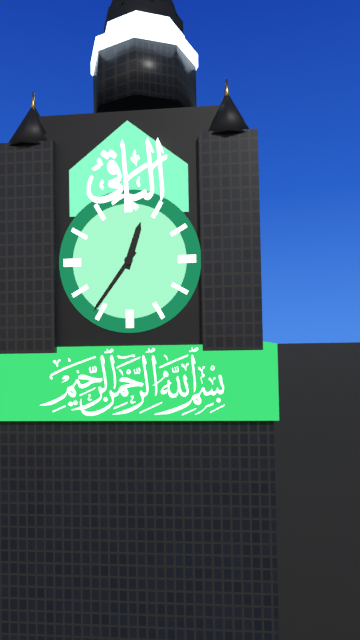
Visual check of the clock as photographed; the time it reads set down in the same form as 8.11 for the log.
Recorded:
12.36
